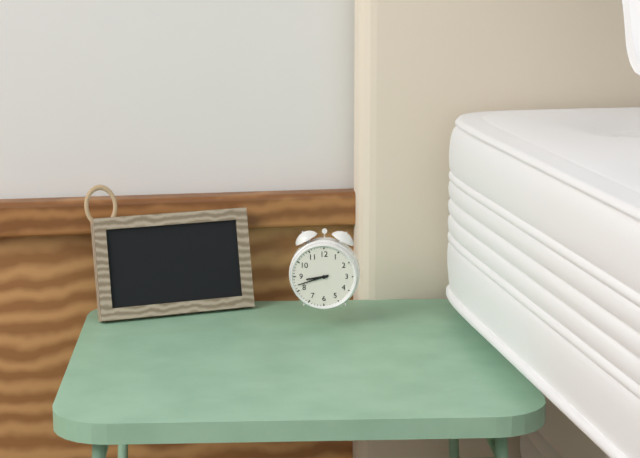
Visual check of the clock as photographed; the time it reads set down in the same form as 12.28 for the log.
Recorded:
8.42
